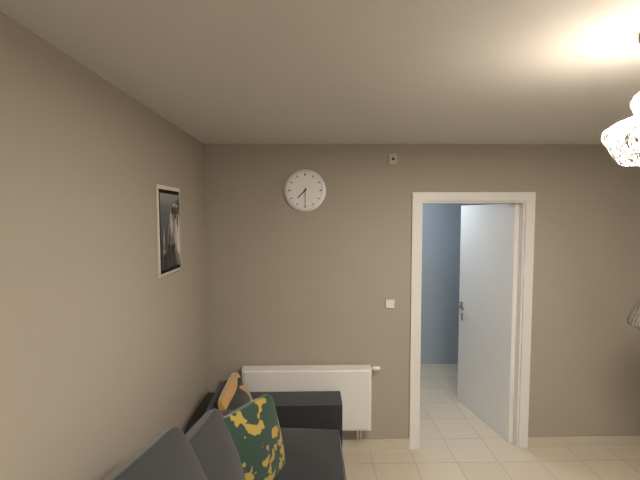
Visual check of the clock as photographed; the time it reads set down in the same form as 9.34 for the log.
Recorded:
7.30
